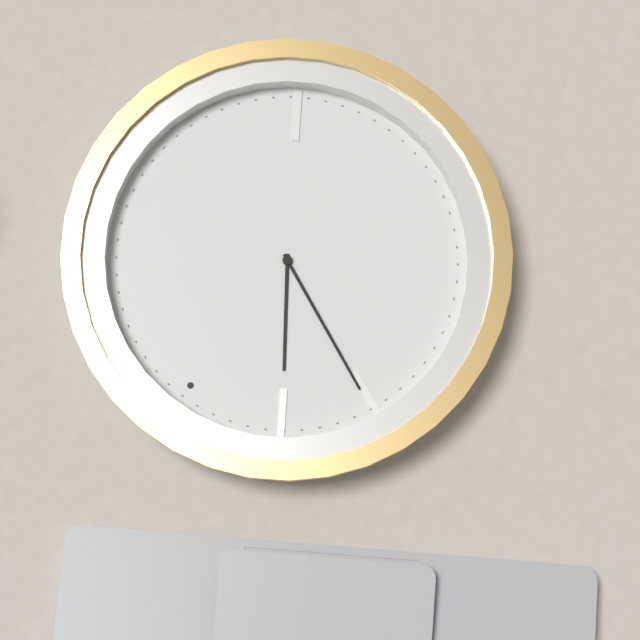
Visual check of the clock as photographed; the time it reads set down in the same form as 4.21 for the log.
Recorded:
10.49
